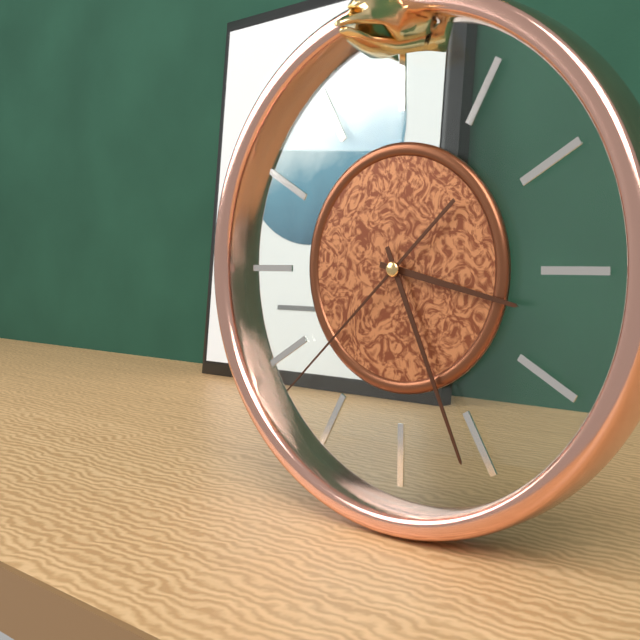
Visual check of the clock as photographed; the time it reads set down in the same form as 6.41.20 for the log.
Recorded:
3.26.38
